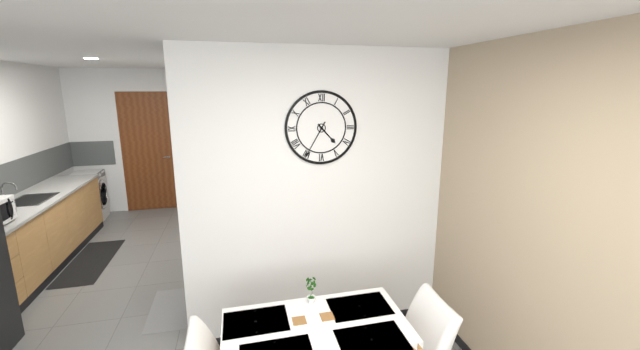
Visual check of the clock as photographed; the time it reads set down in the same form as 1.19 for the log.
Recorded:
4.35
